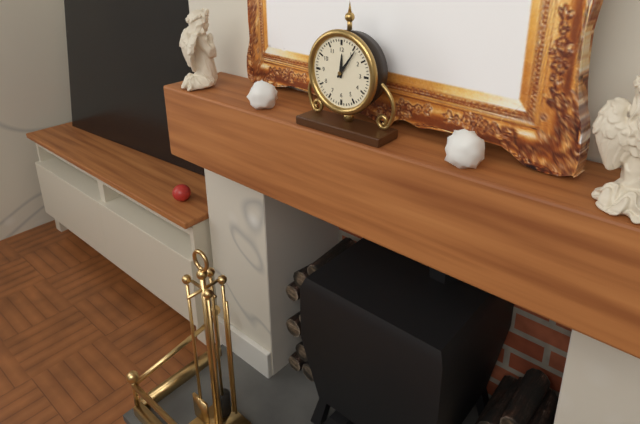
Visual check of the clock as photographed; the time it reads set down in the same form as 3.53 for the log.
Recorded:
12.06
